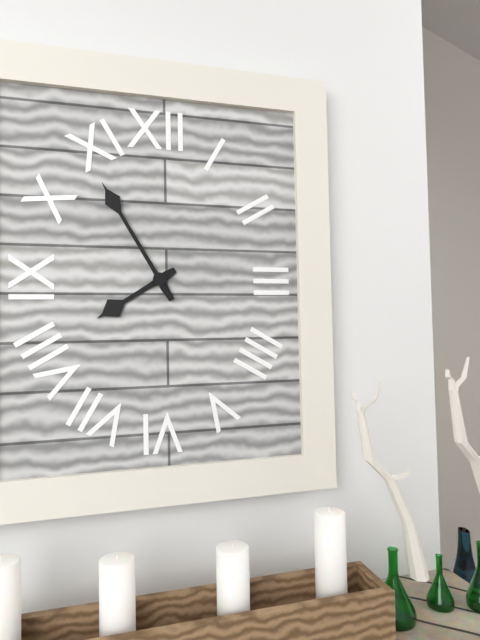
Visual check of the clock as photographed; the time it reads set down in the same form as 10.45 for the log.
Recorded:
7.55
